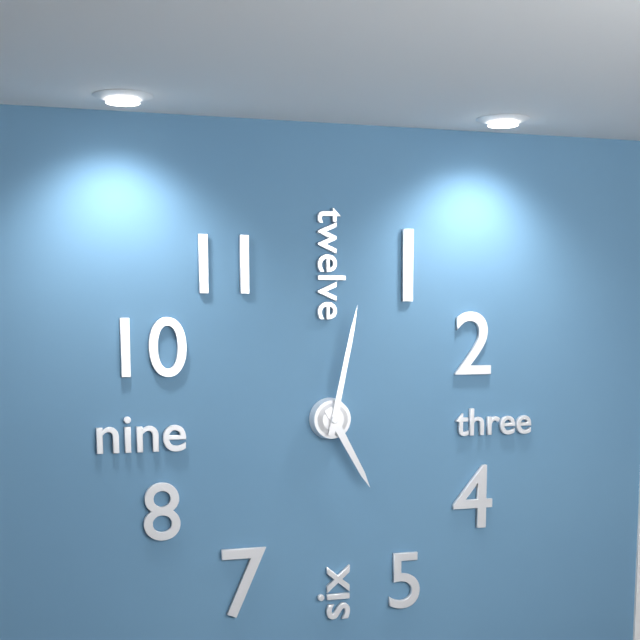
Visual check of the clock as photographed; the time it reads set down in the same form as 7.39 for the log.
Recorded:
5.02
